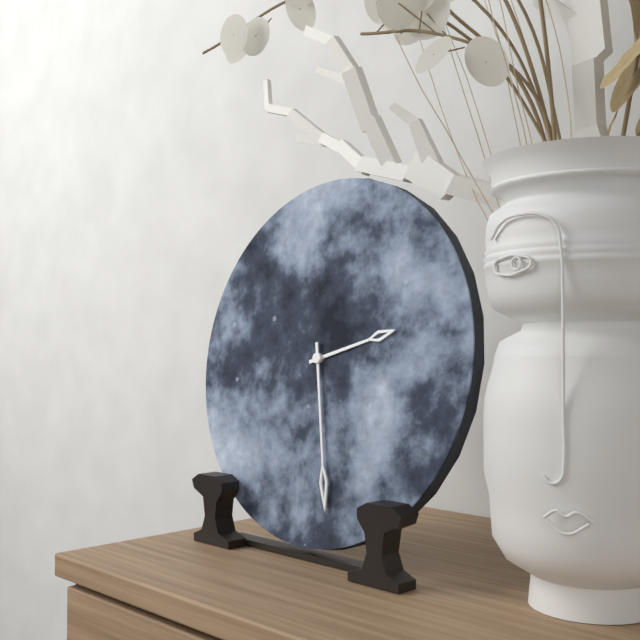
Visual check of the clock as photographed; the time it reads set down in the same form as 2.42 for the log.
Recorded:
2.28
